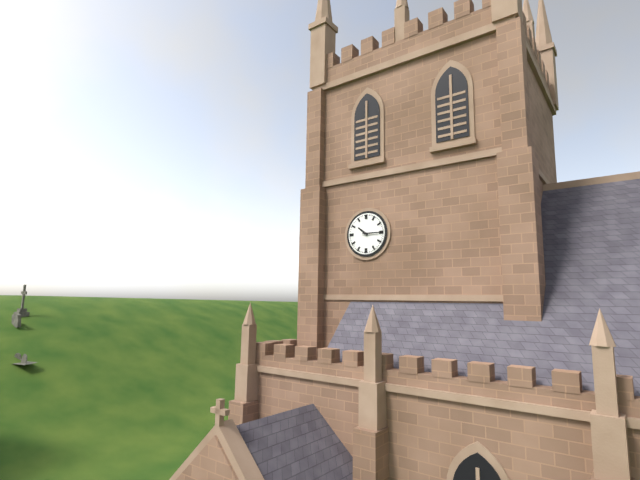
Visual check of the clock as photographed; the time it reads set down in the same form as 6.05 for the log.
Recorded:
10.15
